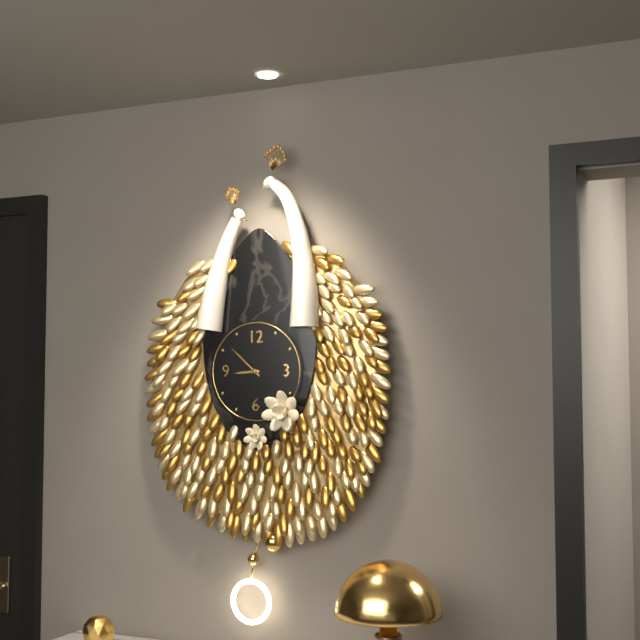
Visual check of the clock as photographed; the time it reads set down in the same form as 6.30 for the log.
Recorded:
8.52
